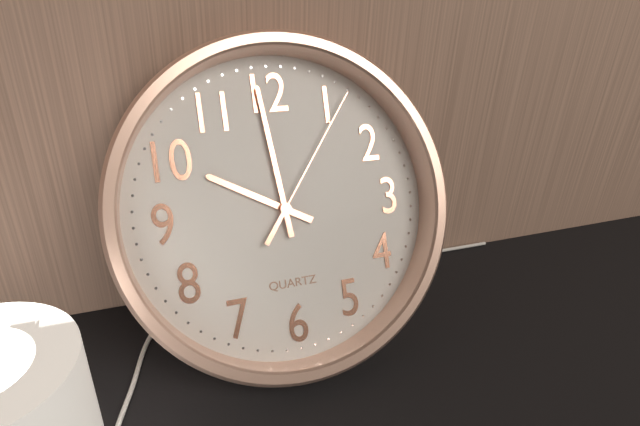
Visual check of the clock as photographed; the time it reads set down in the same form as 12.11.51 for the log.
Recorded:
9.59.06
